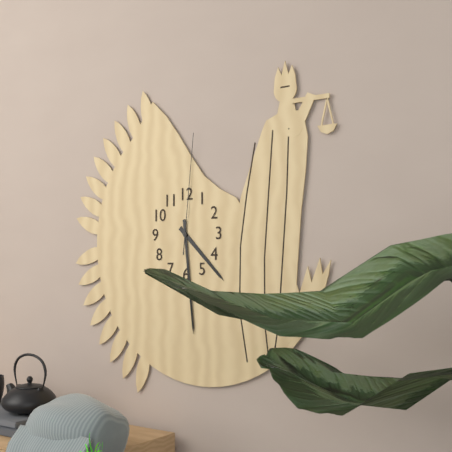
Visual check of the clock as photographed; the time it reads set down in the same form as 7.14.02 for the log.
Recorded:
4.29.01
